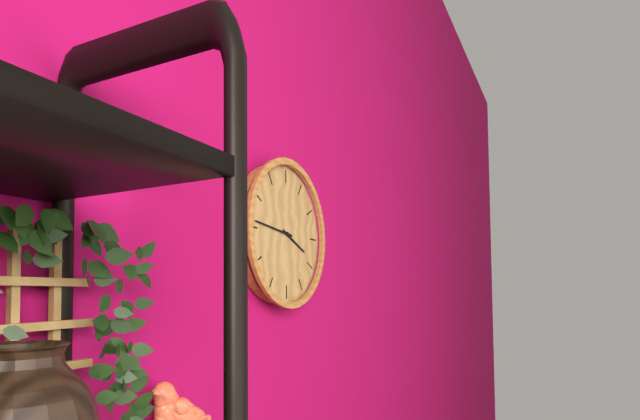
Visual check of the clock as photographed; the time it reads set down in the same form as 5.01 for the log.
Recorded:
3.46
